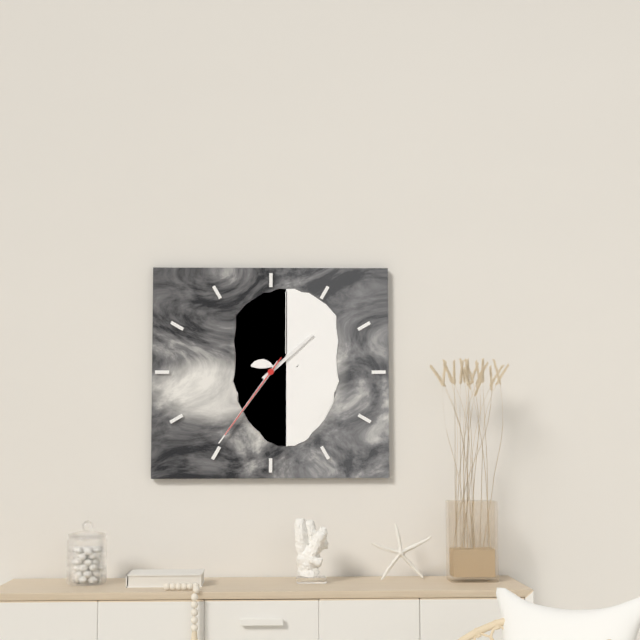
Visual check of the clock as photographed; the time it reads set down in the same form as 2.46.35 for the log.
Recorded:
1.36.36
